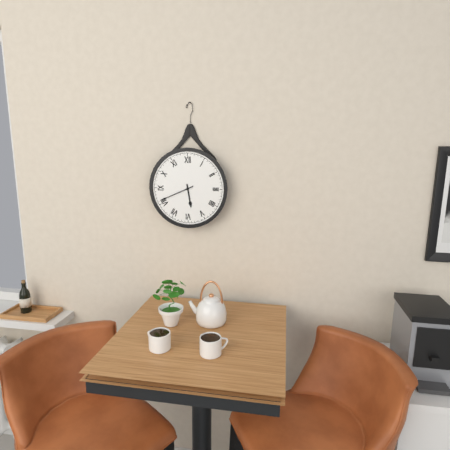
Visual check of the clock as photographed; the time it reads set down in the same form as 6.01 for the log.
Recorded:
5.41
